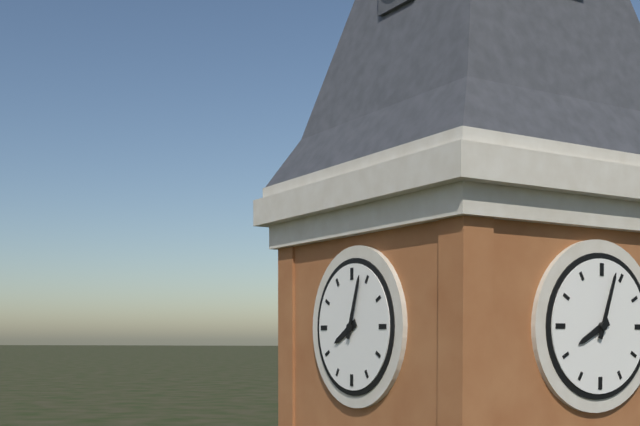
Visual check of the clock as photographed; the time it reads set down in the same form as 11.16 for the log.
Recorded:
8.03
